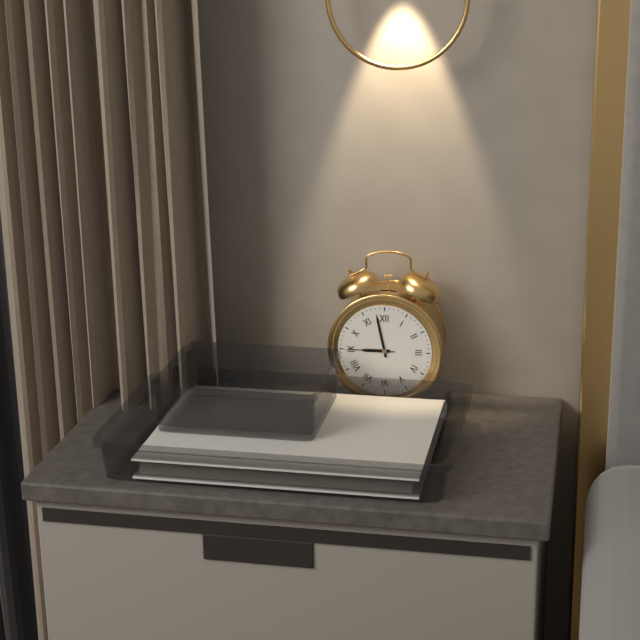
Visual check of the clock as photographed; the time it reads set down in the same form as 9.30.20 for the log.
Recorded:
8.58.45
